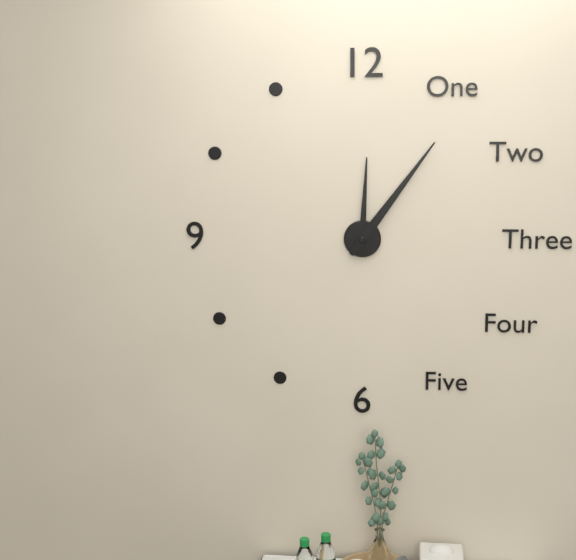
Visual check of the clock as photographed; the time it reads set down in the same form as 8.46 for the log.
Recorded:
12.06
